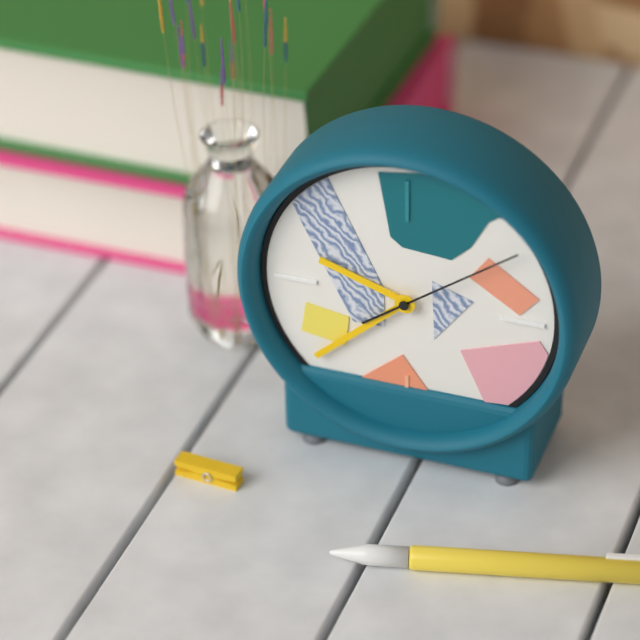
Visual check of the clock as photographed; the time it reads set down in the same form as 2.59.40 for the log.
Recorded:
9.38.09
